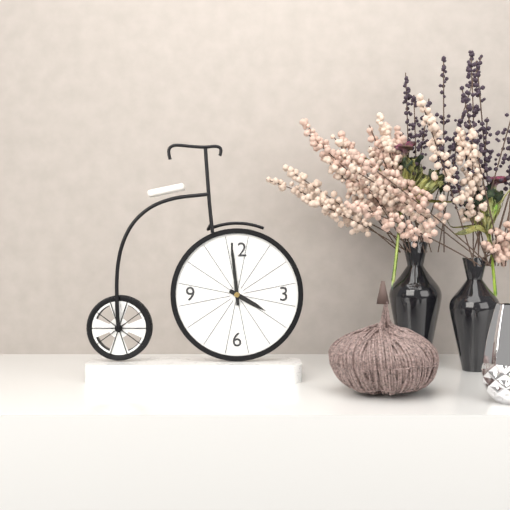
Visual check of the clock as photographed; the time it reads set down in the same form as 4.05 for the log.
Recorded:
3.59
